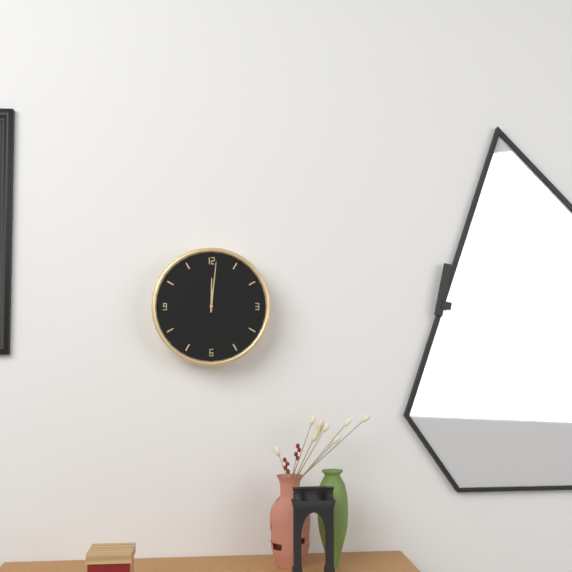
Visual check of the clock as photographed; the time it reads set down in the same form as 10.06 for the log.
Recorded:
12.01
